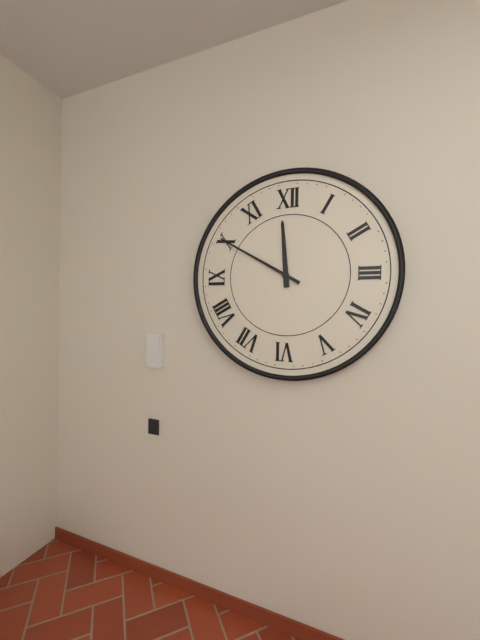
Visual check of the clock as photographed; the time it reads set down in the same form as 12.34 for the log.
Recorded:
11.50
